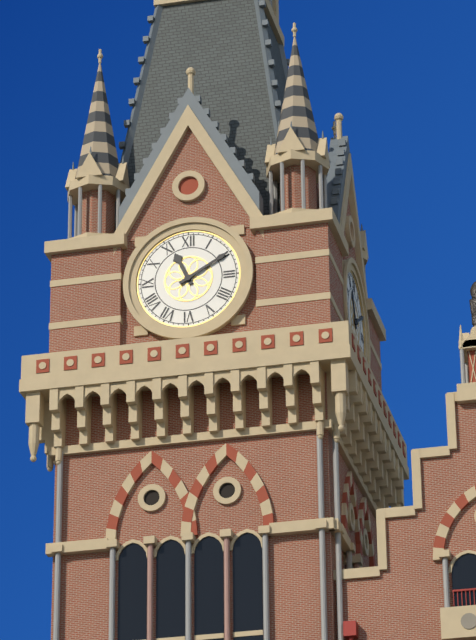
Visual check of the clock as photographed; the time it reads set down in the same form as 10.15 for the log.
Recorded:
11.10
